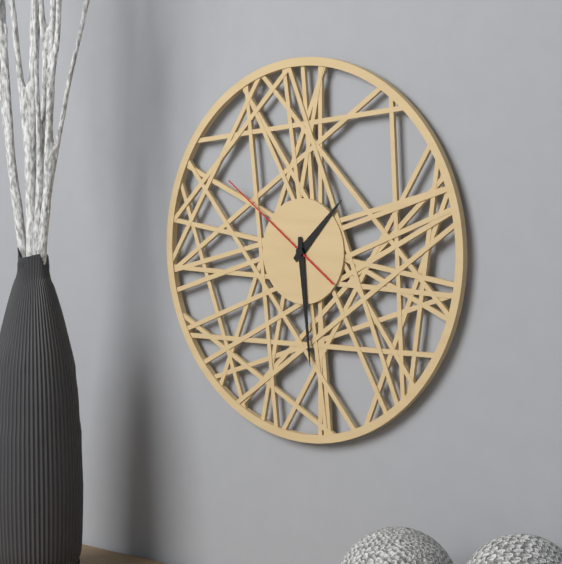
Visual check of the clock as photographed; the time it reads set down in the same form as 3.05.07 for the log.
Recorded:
1.29.51
